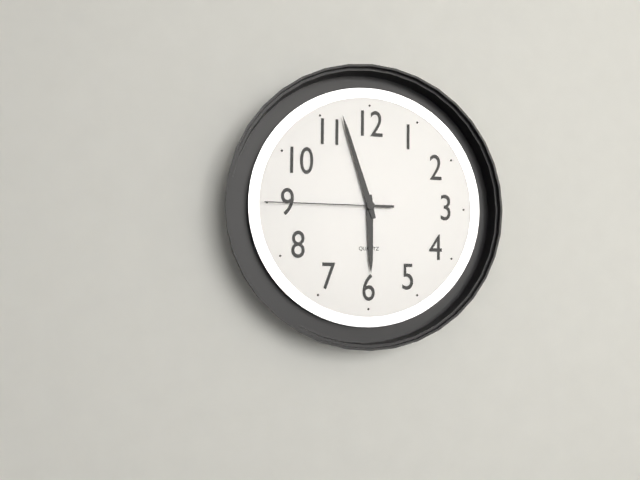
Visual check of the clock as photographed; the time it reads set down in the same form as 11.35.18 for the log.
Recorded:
5.57.45
